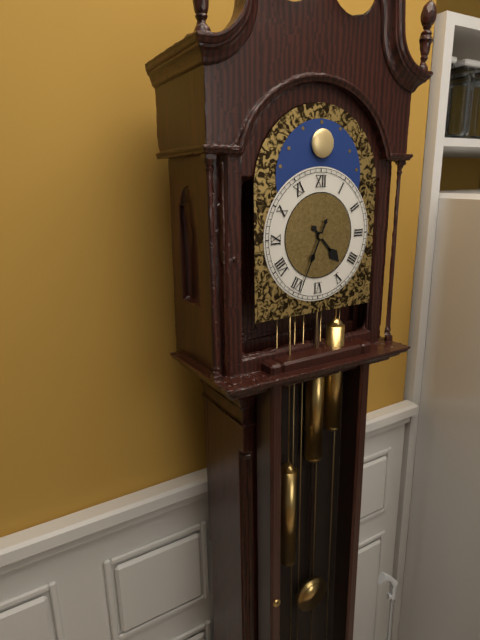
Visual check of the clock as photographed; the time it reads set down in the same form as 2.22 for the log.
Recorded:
4.34
